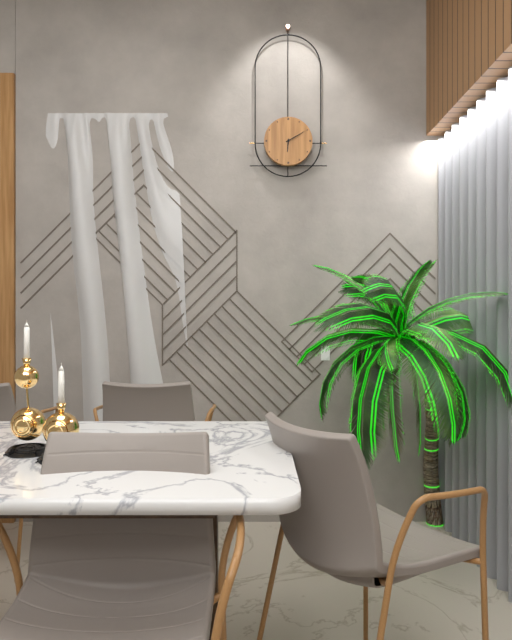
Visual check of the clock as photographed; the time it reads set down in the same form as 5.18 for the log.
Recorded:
6.10
